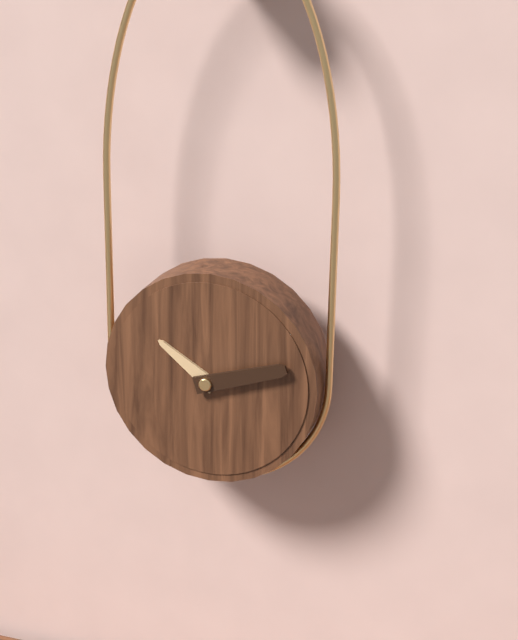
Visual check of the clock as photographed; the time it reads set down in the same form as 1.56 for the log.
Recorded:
10.12
